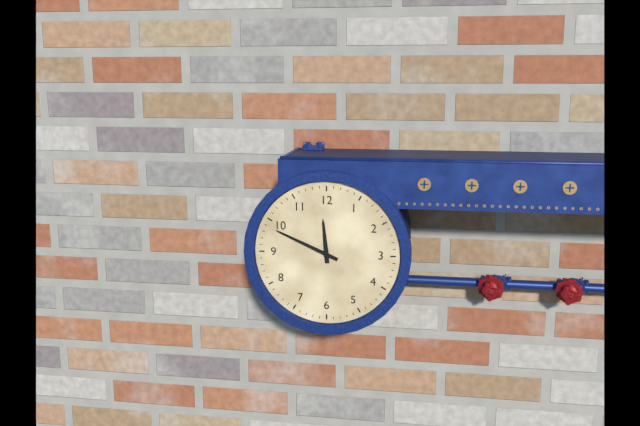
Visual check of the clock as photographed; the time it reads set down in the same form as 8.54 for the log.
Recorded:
11.49
